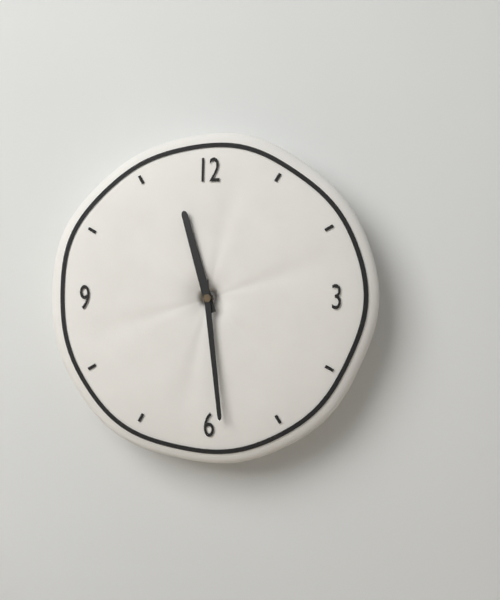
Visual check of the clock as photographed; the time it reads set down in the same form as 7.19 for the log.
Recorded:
11.29
